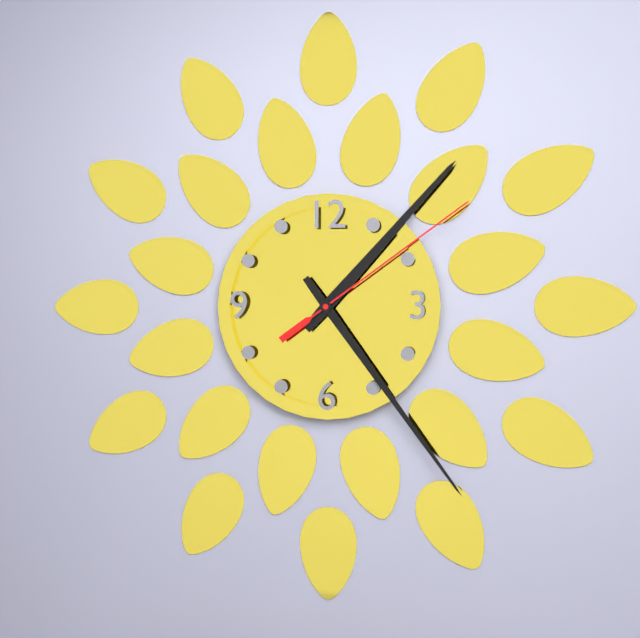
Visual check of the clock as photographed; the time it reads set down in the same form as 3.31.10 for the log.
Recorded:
1.24.09
